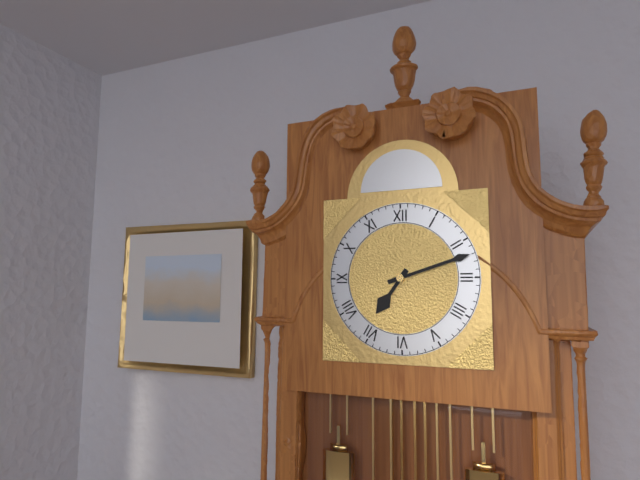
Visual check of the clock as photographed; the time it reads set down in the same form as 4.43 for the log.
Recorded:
7.12
